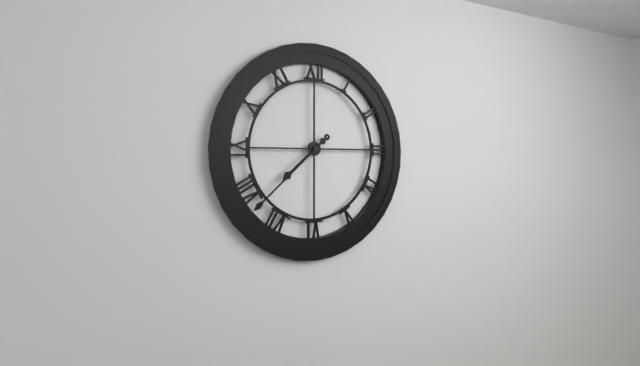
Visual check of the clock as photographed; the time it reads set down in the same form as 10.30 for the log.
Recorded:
7.38
